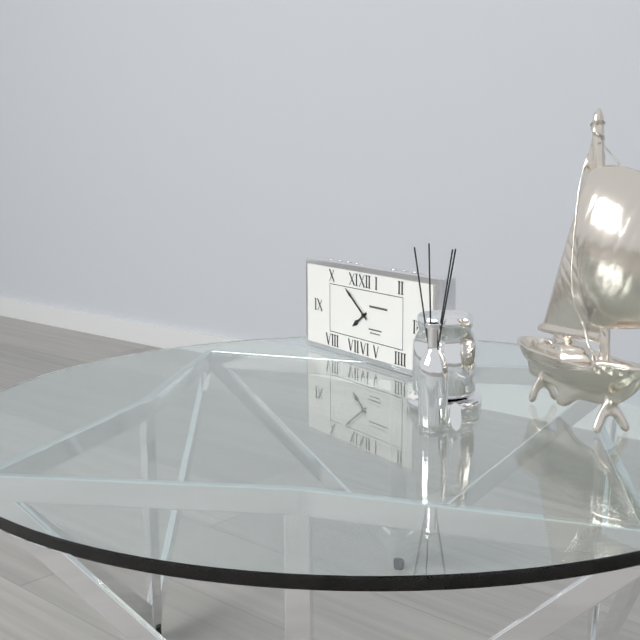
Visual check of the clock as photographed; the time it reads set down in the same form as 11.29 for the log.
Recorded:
7.51
